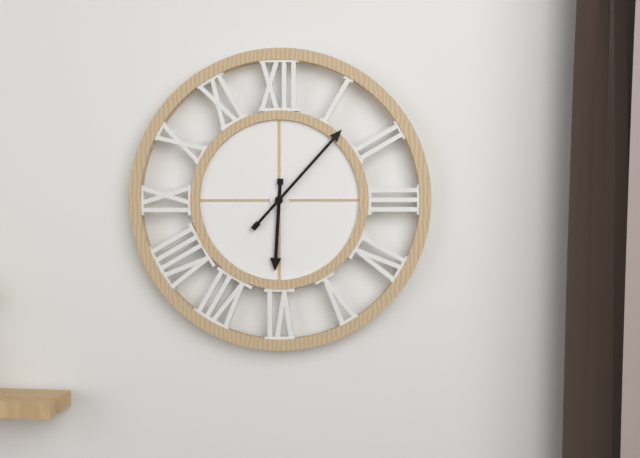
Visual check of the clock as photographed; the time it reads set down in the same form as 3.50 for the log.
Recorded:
6.07
